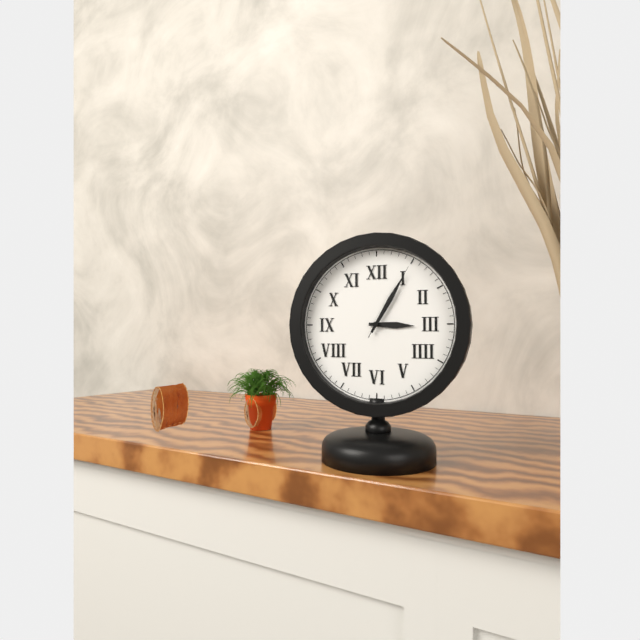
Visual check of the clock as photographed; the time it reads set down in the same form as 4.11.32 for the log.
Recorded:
3.05.05
